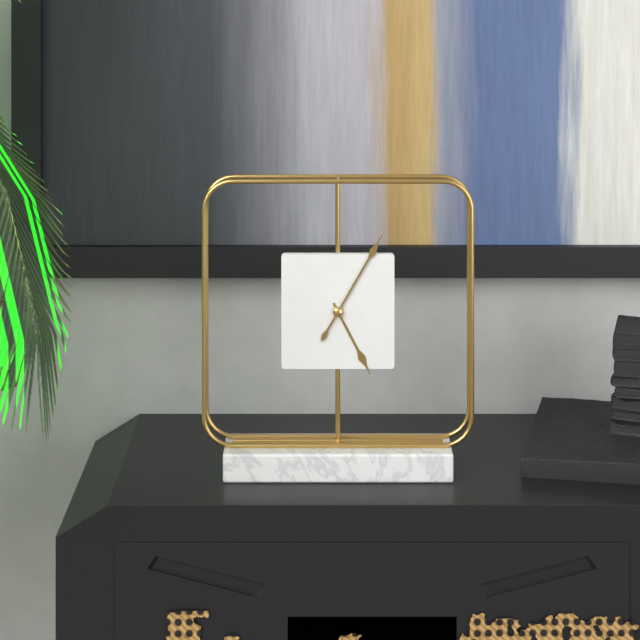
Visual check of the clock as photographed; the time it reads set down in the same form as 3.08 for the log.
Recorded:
5.05
